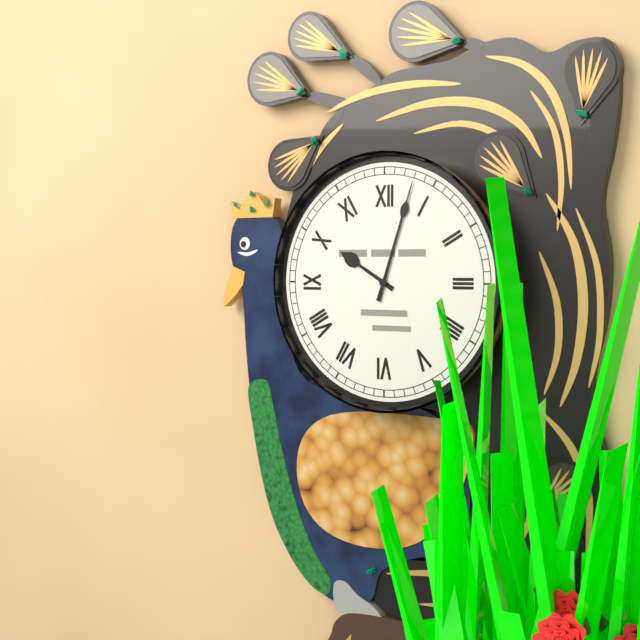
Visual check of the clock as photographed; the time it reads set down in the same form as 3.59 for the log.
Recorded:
10.03
